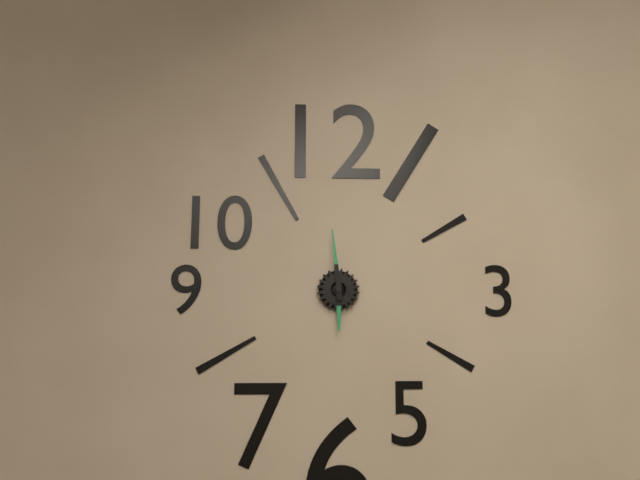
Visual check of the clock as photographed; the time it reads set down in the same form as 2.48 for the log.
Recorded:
5.59
